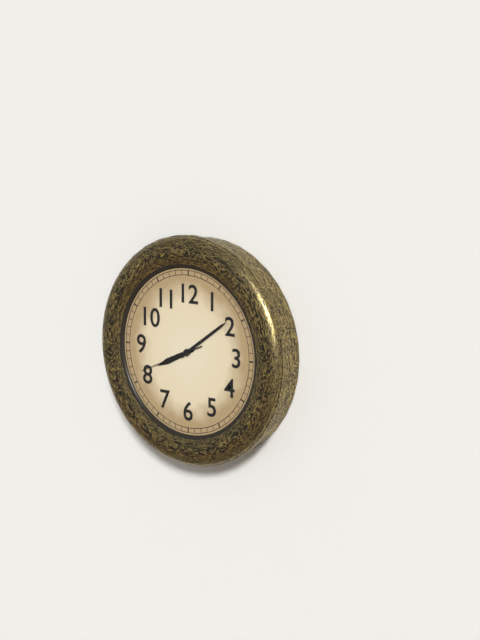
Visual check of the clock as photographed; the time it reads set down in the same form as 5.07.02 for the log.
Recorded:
8.09.41
